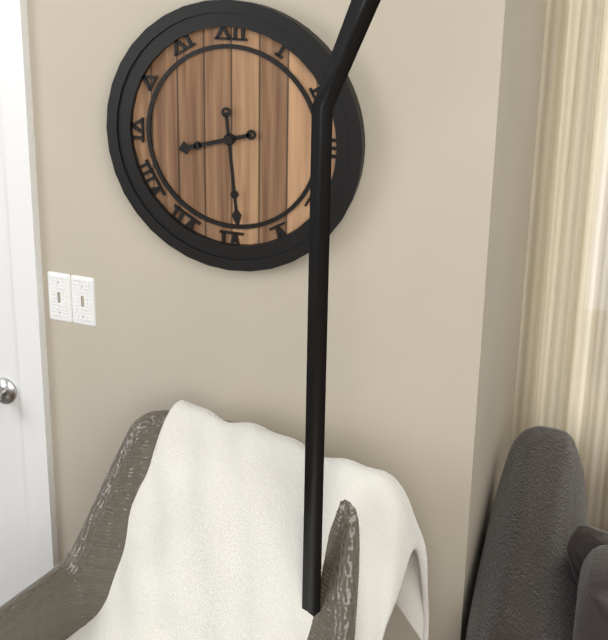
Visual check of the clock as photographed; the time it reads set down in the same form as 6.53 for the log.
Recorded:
8.29
